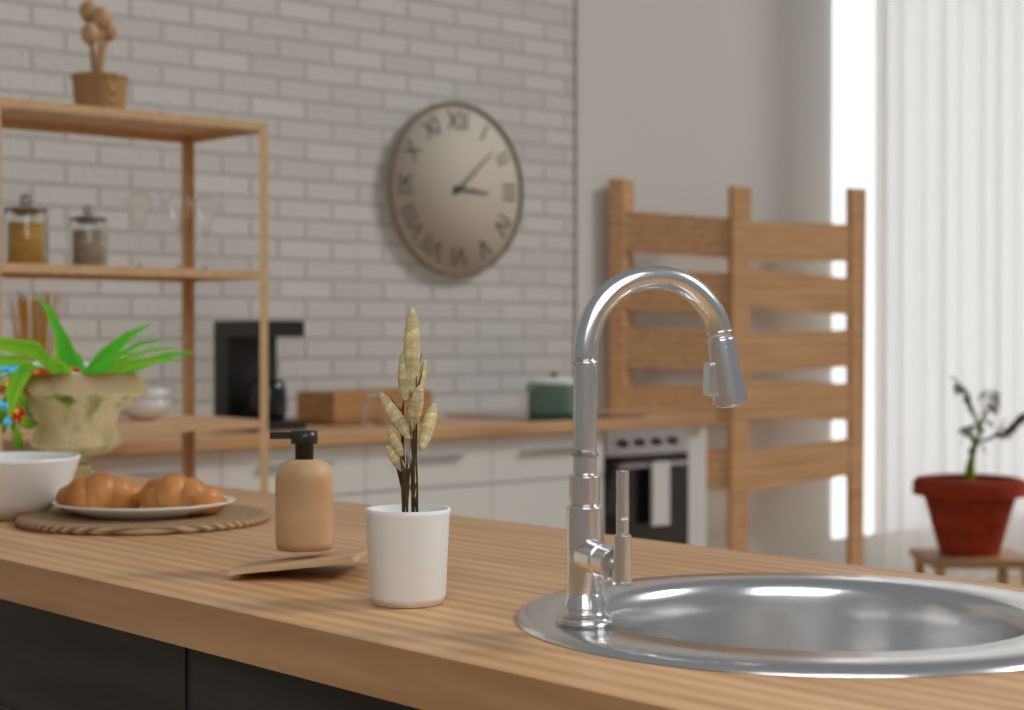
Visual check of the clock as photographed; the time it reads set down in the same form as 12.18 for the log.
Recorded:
3.08
